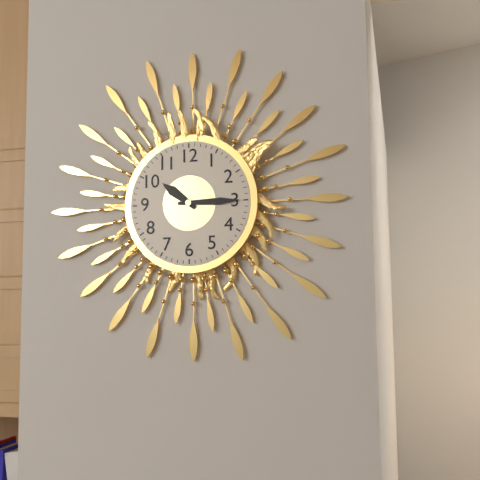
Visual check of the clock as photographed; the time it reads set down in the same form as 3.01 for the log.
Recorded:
10.15
